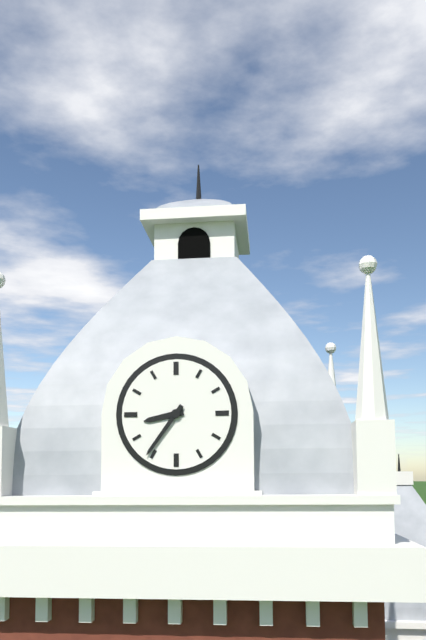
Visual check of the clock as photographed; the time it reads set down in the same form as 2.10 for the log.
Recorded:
8.36
